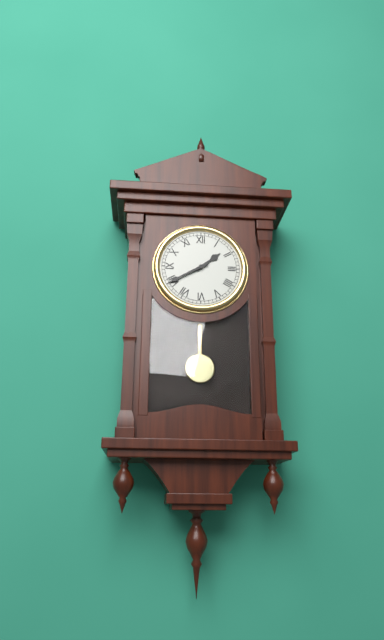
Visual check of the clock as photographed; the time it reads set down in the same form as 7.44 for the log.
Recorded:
1.40
